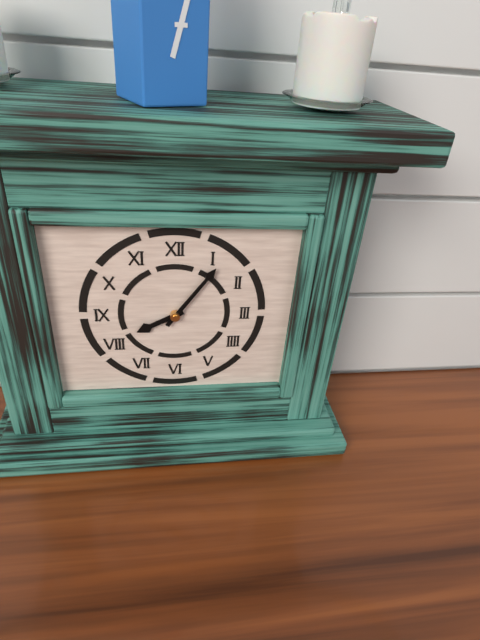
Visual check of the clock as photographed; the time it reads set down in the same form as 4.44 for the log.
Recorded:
8.06
